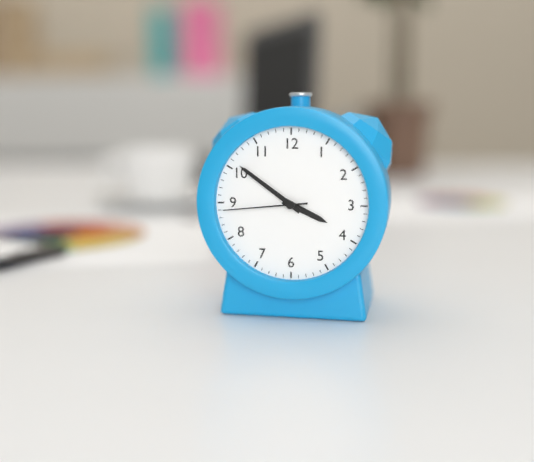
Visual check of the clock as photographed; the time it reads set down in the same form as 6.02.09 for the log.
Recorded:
3.51.44
